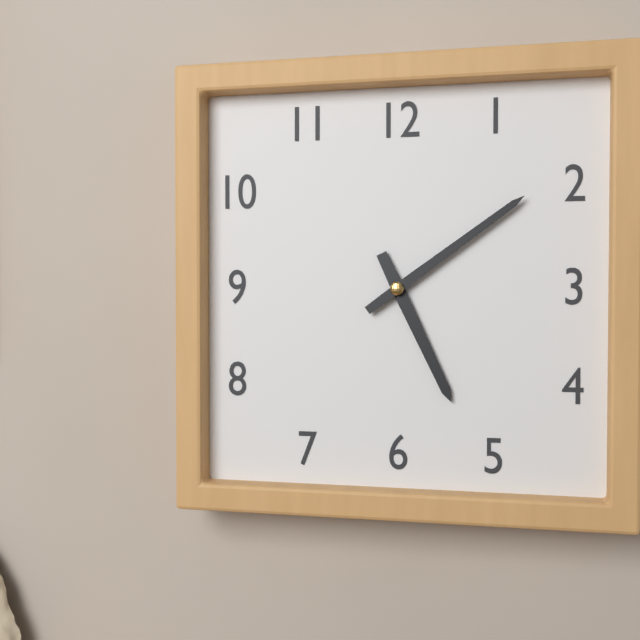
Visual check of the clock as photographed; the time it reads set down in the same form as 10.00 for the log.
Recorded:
5.09
